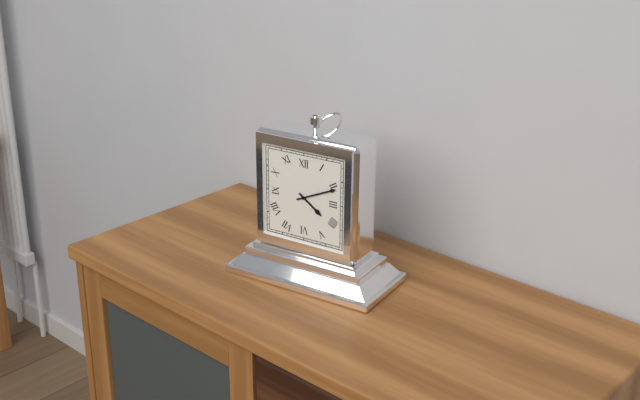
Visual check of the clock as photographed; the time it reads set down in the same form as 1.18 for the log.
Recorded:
4.11
